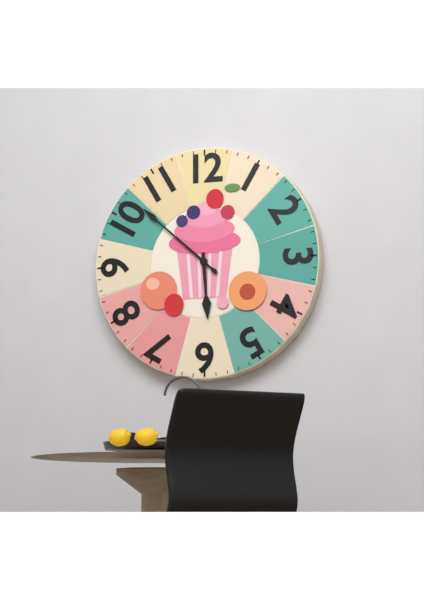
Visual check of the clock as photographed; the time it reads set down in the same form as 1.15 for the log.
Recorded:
5.52
